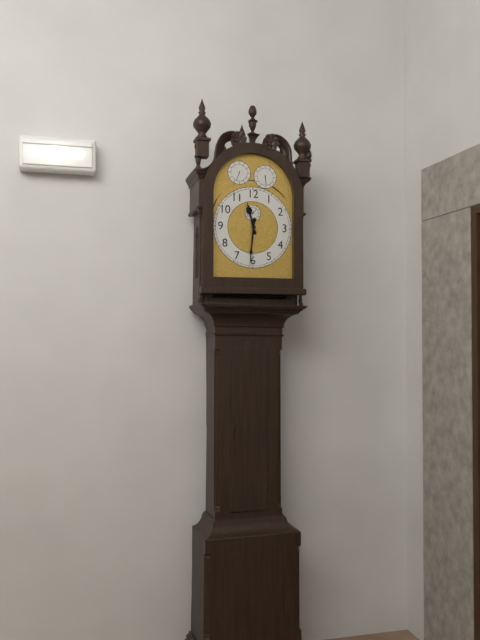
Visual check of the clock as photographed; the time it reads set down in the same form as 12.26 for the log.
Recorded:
11.31
